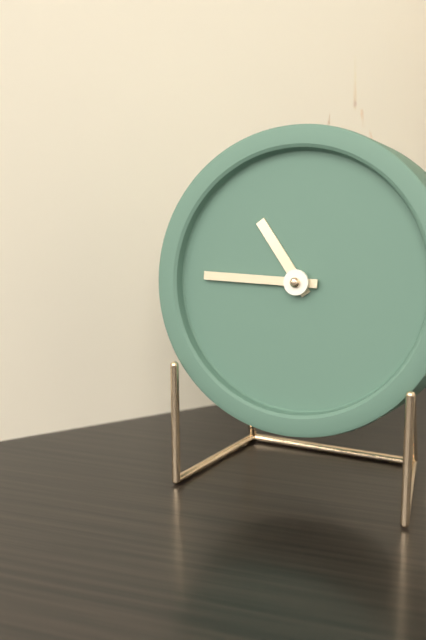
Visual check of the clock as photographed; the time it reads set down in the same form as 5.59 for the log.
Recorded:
10.45
